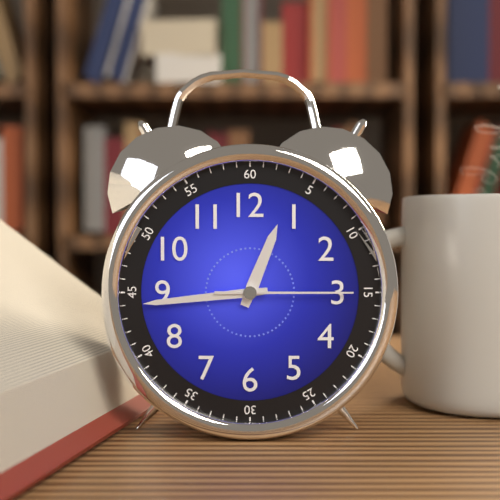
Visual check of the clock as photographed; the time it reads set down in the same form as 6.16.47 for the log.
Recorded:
12.44.15
